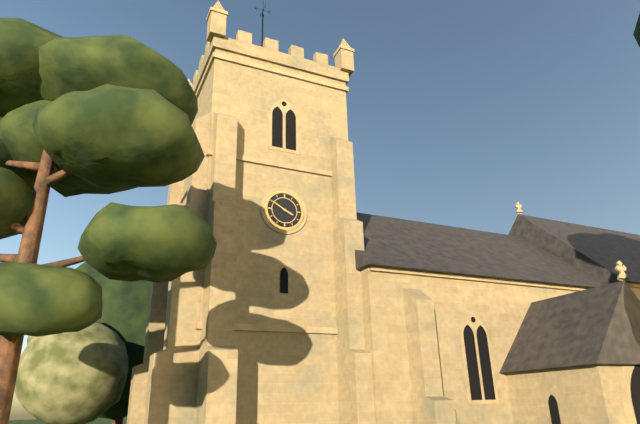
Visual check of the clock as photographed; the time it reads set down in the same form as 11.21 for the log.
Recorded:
3.50
